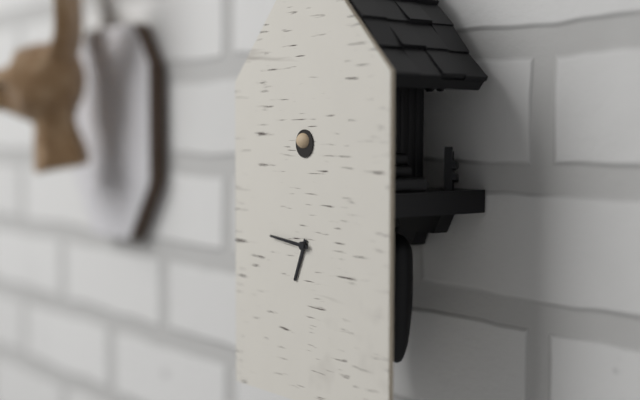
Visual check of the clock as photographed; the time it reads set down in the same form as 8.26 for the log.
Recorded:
6.46
